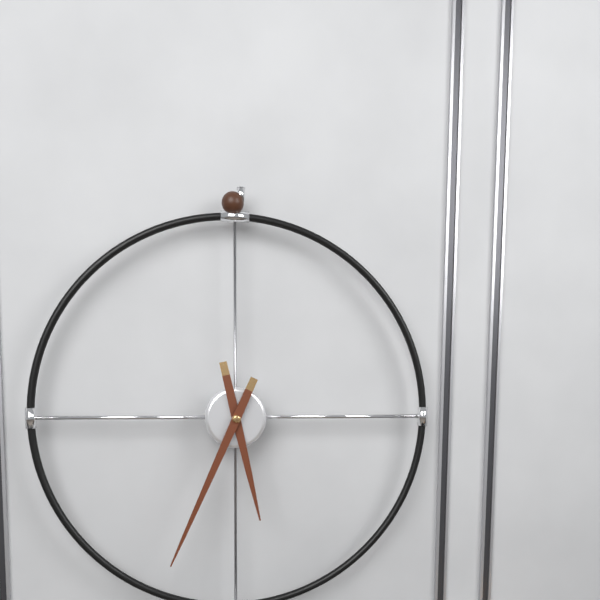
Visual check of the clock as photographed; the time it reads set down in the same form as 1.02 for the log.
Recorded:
5.34
